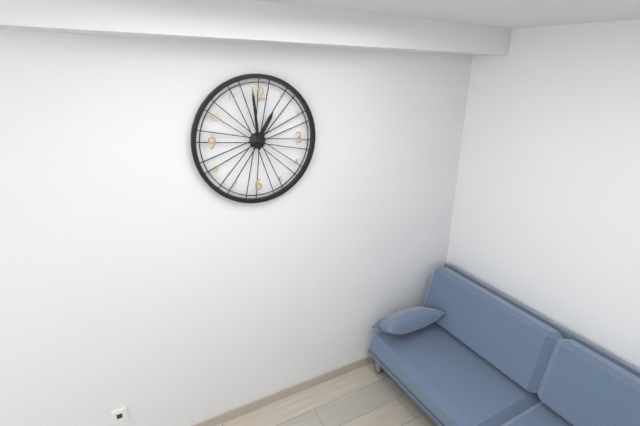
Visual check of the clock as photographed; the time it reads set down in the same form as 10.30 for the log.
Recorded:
12.59
